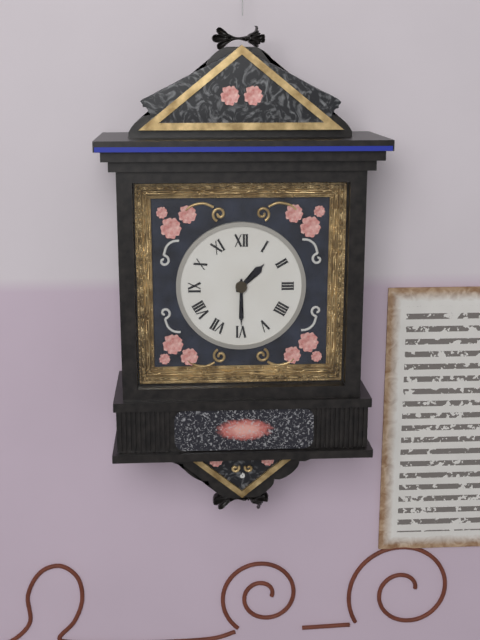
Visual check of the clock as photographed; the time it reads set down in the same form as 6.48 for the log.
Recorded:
1.30
